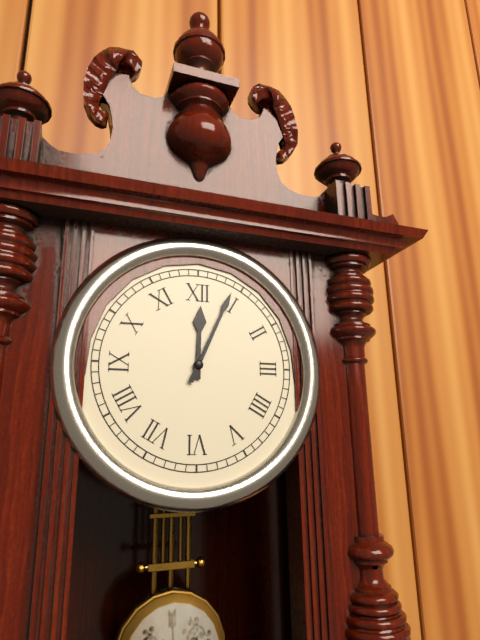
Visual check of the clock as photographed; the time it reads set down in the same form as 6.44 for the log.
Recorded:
12.04
